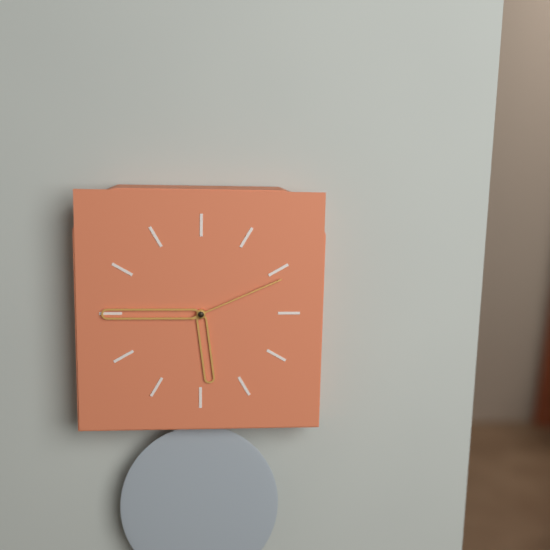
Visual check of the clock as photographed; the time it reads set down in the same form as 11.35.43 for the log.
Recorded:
5.45.11
